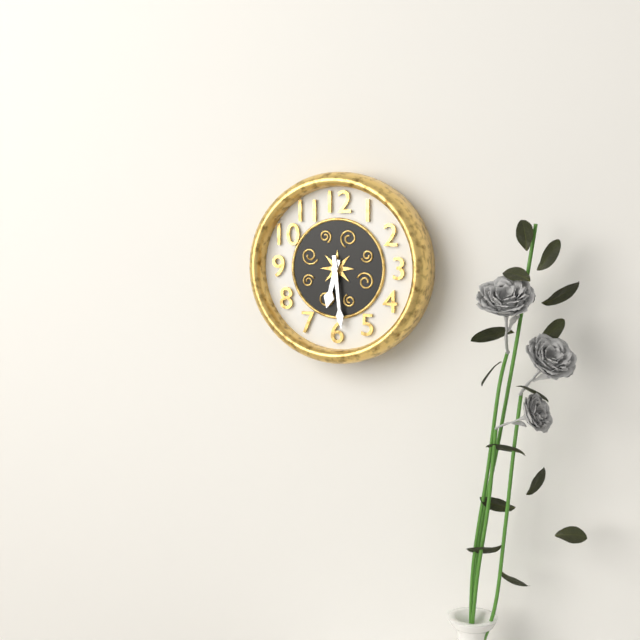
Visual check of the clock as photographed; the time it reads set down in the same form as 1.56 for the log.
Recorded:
6.29
